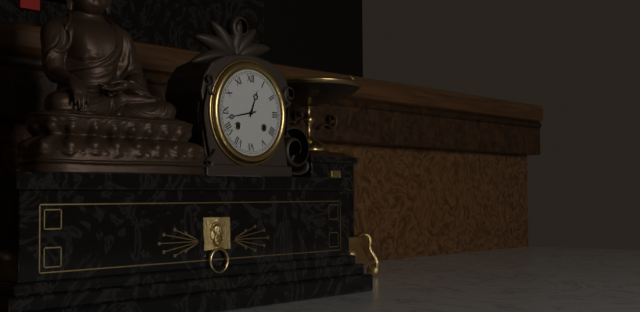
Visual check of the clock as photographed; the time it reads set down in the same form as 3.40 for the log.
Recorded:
12.43
